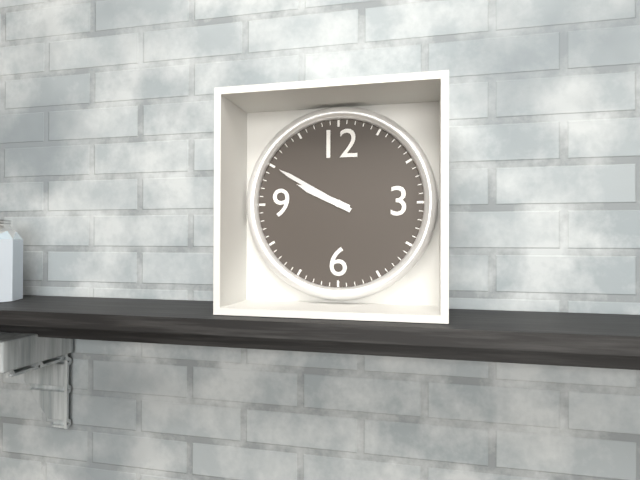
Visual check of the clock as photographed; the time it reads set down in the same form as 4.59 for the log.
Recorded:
9.50
